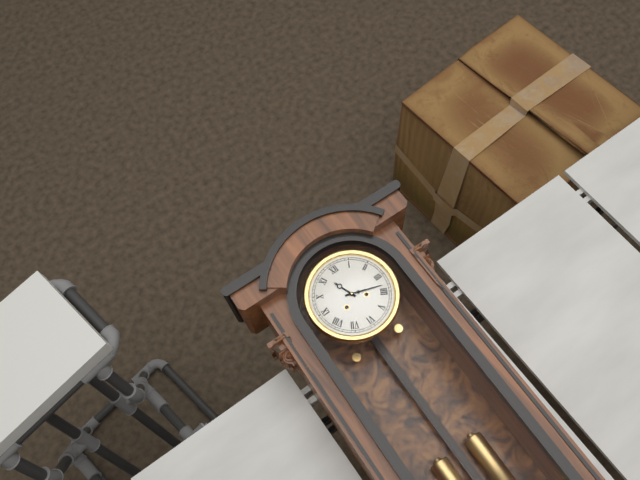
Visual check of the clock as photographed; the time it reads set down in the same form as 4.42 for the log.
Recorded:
11.18
